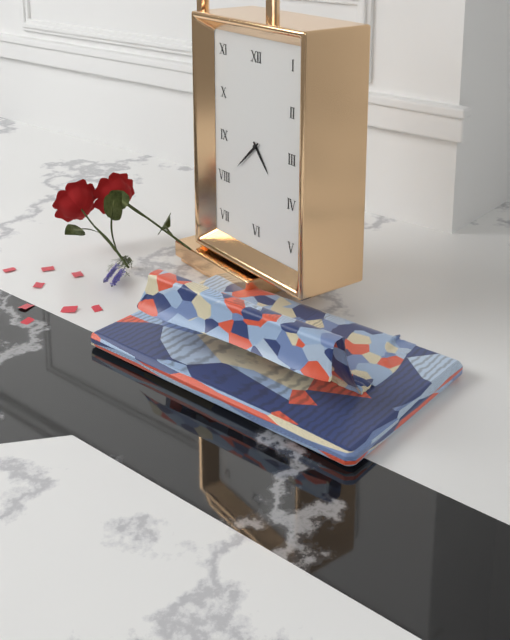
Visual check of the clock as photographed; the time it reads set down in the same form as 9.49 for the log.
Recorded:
4.38
